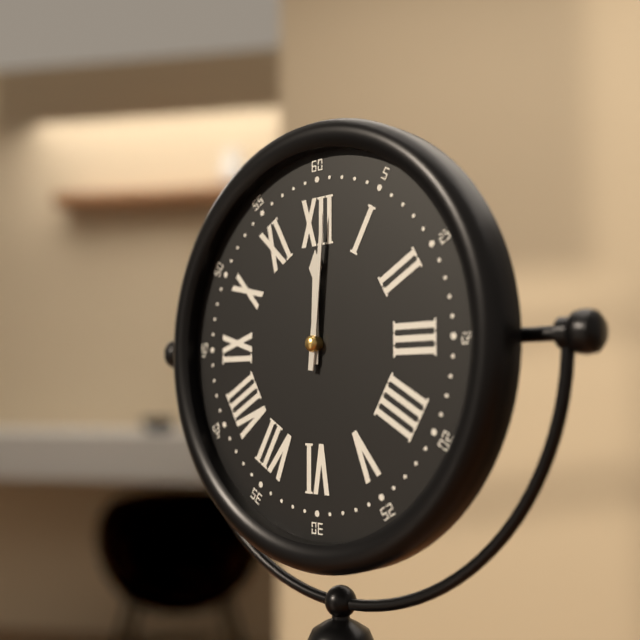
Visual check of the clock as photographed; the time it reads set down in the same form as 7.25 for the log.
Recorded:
12.01
